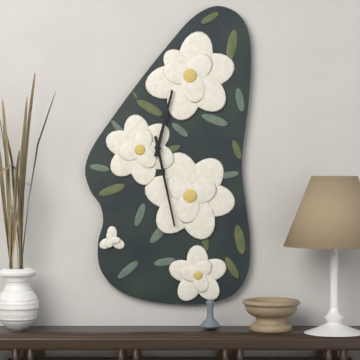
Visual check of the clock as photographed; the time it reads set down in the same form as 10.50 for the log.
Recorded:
12.28
